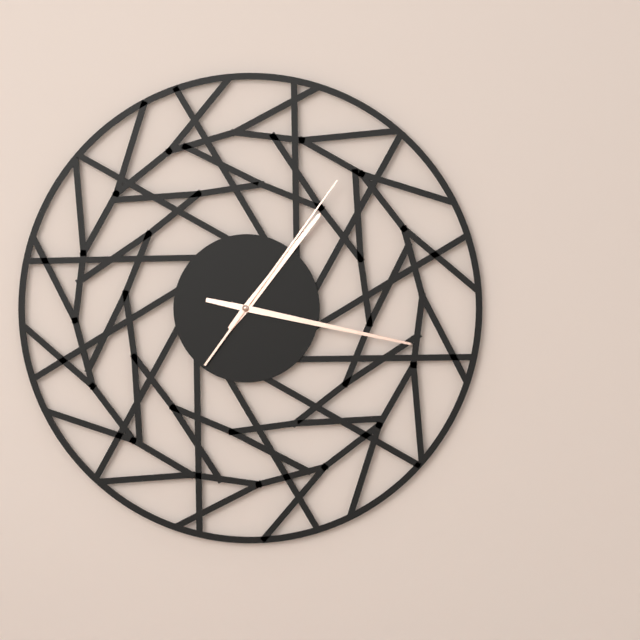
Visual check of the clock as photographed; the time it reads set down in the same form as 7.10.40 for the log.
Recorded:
1.17.06
